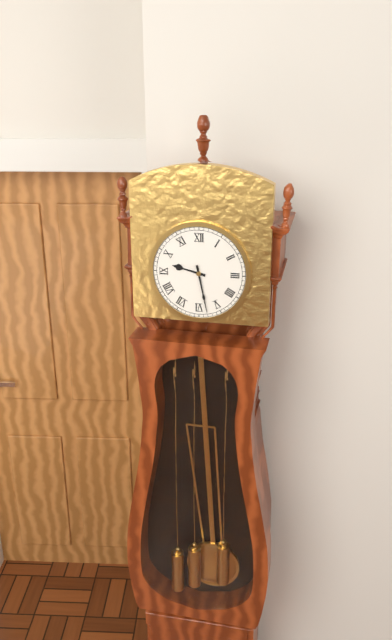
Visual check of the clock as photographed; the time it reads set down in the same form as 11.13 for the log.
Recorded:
9.28
